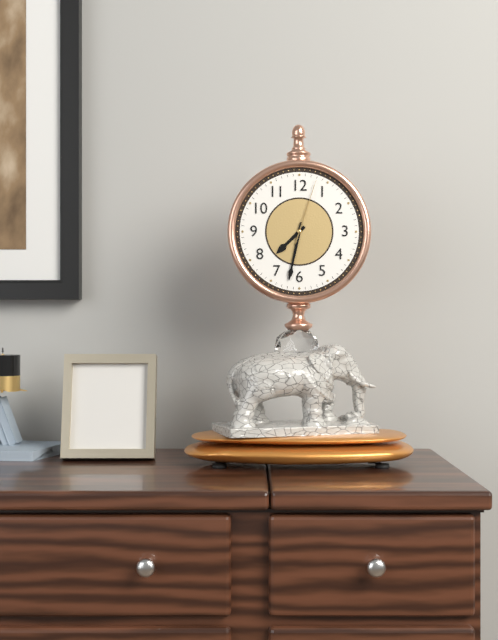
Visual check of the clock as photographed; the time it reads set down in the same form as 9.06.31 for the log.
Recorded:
7.32.03
